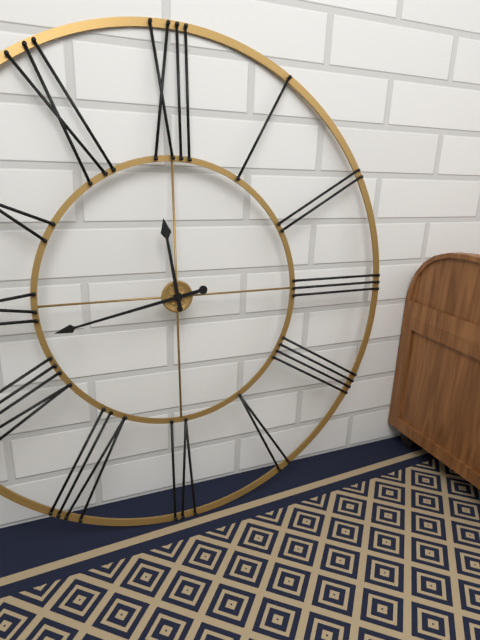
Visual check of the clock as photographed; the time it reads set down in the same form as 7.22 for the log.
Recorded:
11.43
